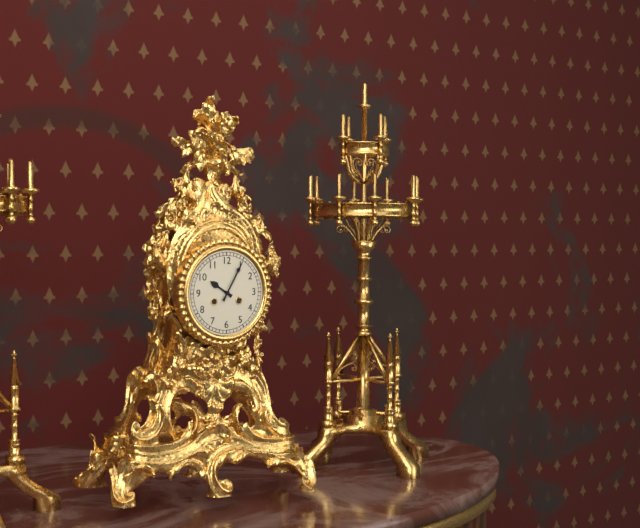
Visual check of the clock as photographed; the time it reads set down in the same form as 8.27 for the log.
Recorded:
10.05
